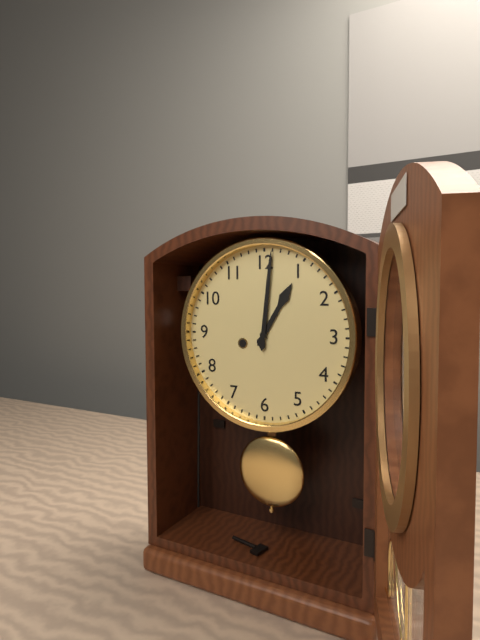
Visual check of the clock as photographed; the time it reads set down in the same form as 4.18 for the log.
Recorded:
1.01
